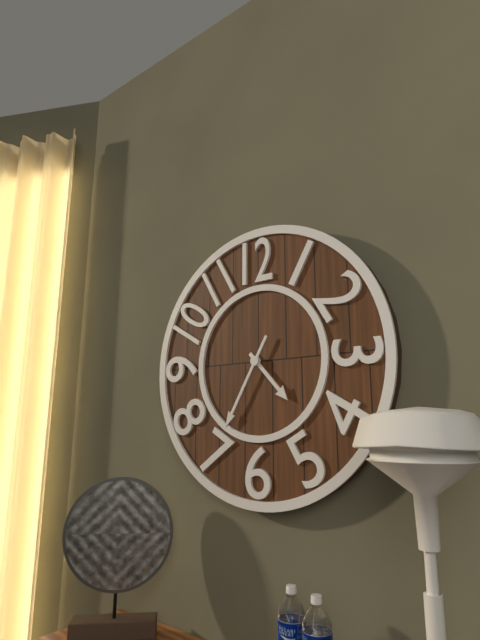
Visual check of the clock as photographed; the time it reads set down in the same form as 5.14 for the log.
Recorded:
4.35
